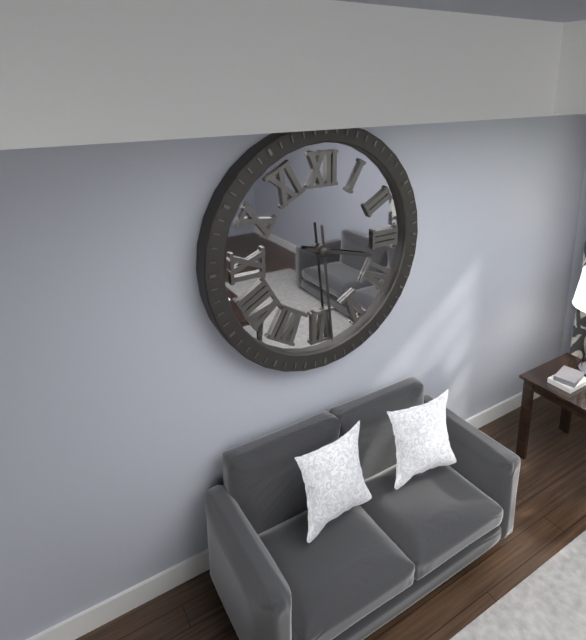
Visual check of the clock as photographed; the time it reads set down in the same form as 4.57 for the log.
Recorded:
3.29
